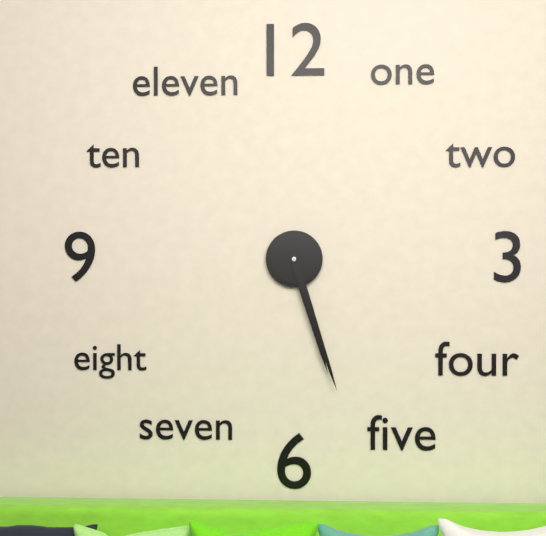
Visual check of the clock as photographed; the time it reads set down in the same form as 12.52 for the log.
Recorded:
5.27
